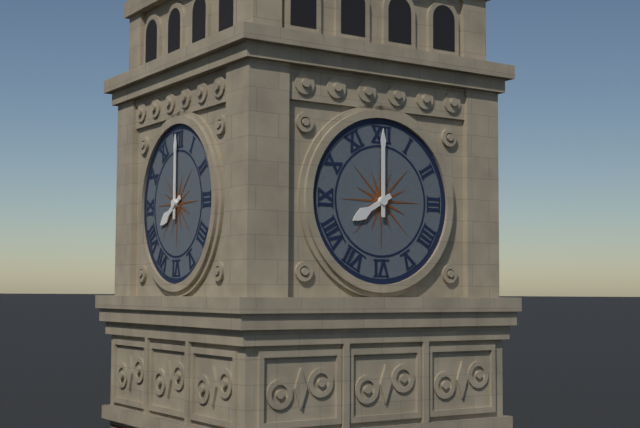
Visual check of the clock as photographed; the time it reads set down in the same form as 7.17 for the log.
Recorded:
8.00
